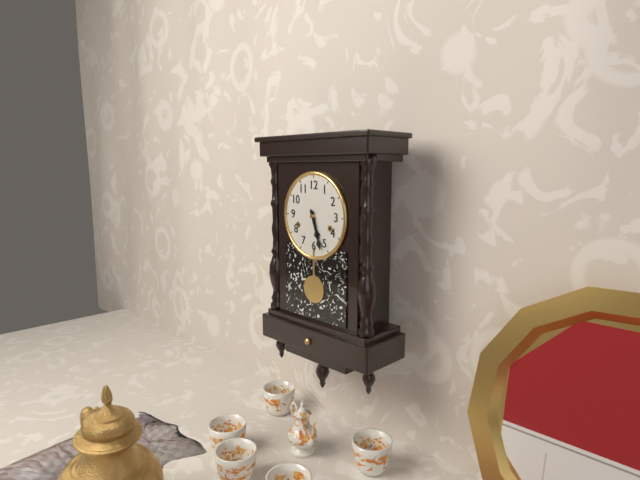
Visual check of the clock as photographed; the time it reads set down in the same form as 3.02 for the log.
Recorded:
5.27
